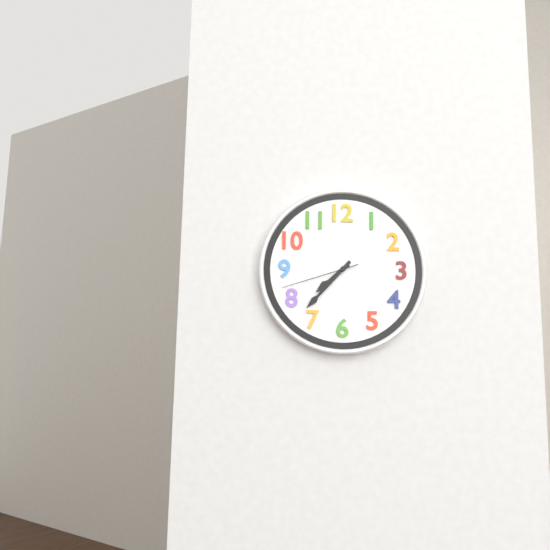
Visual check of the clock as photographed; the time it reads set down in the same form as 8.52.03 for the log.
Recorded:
7.37.42
